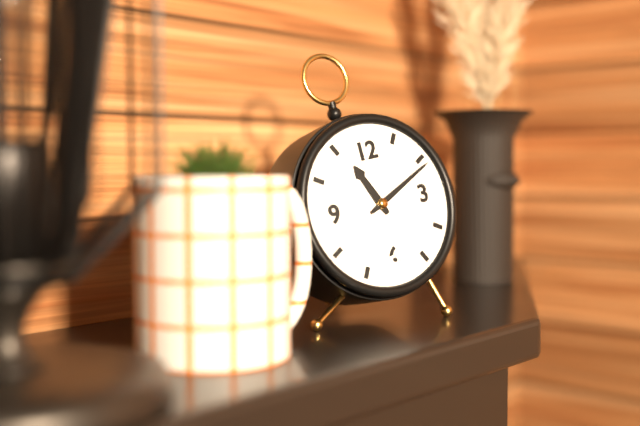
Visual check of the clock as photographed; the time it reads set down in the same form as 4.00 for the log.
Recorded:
11.11
